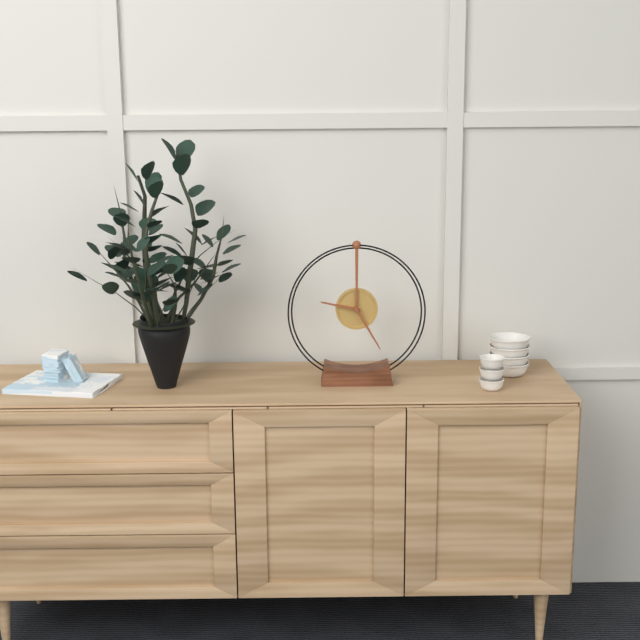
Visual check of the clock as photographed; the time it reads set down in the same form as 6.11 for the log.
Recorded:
9.25
